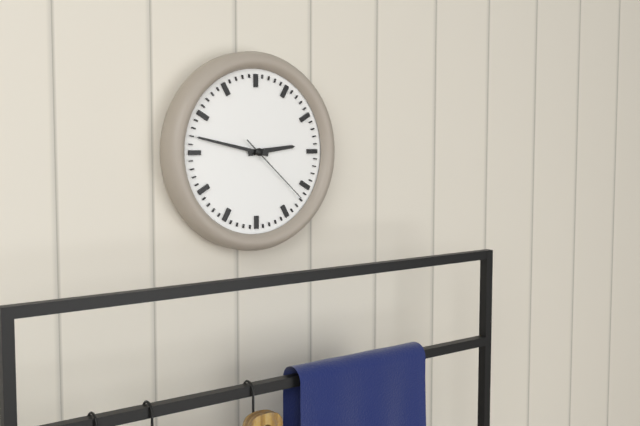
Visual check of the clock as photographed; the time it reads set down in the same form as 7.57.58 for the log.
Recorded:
2.47.22
